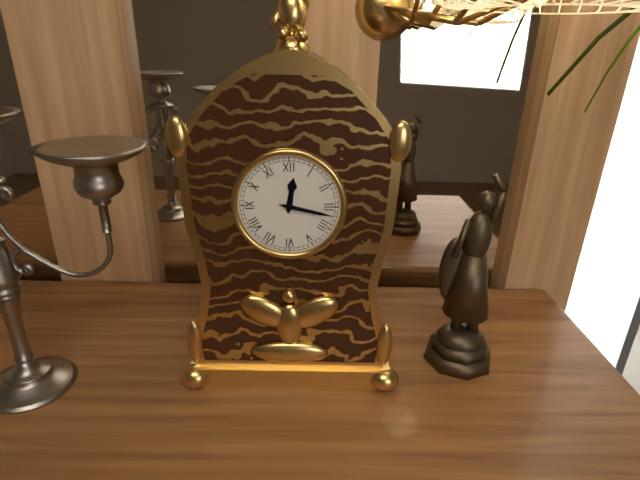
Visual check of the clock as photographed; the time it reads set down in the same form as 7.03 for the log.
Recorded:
12.17
